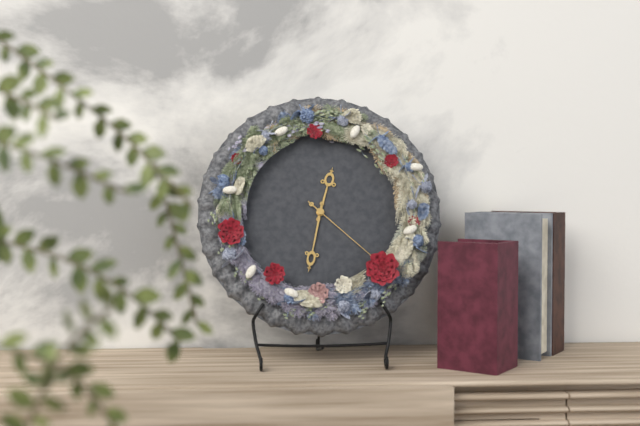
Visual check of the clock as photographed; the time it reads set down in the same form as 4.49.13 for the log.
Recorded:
12.32.22
